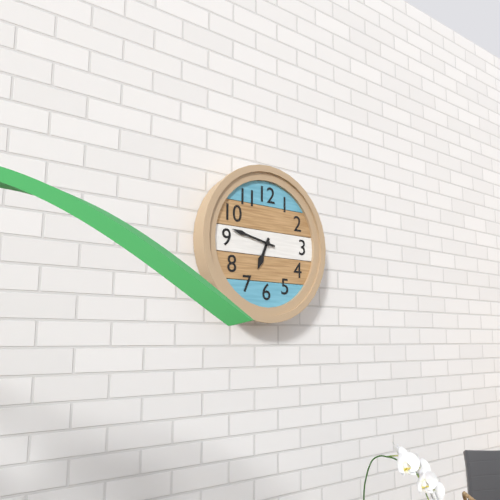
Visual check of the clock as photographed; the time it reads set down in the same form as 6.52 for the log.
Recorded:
6.47
